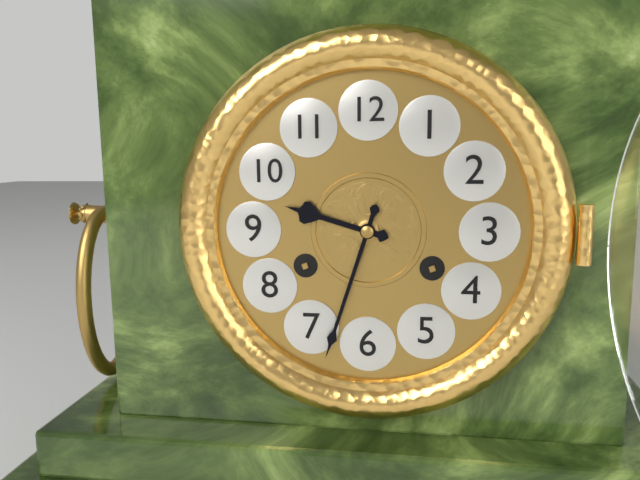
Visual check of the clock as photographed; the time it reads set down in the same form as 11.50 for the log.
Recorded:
9.33
